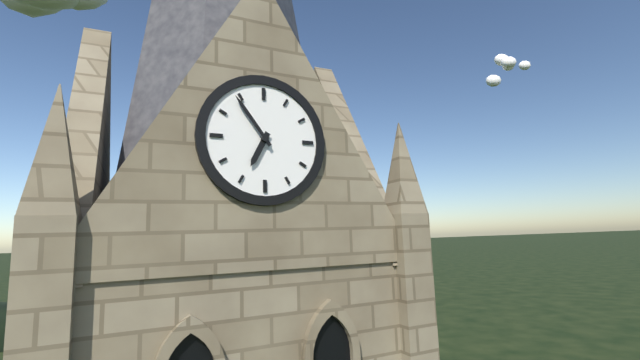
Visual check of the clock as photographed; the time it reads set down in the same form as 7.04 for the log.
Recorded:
6.54
